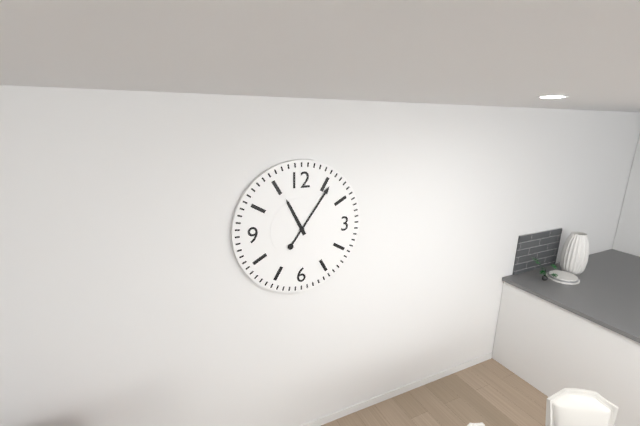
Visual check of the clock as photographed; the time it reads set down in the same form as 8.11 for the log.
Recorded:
11.06
